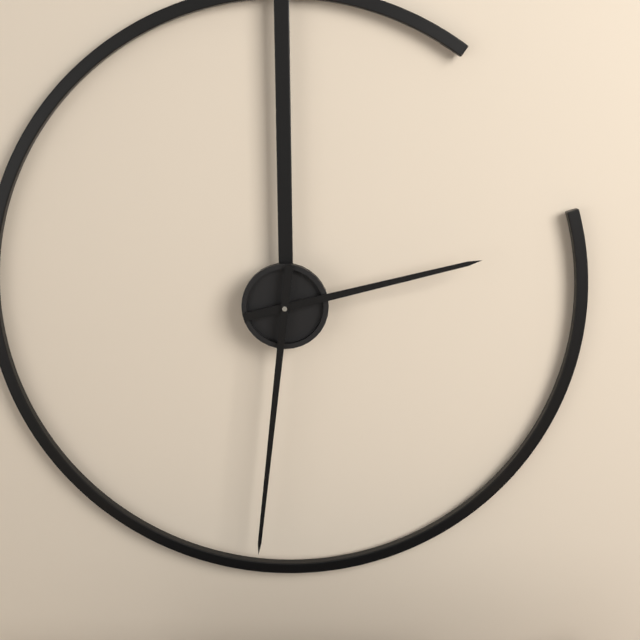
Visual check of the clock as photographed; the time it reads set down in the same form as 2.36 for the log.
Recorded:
2.31
